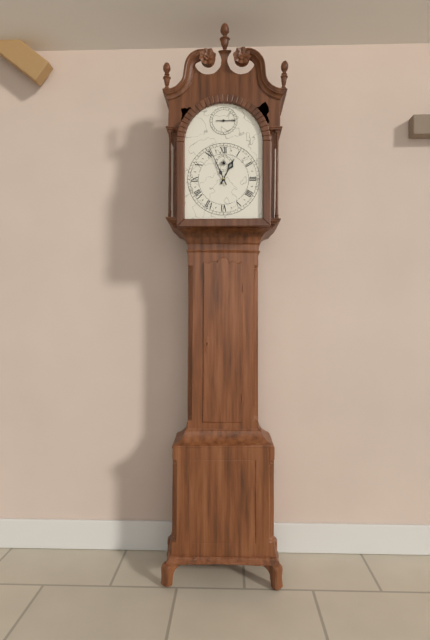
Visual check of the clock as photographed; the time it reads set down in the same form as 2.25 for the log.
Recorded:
12.56
